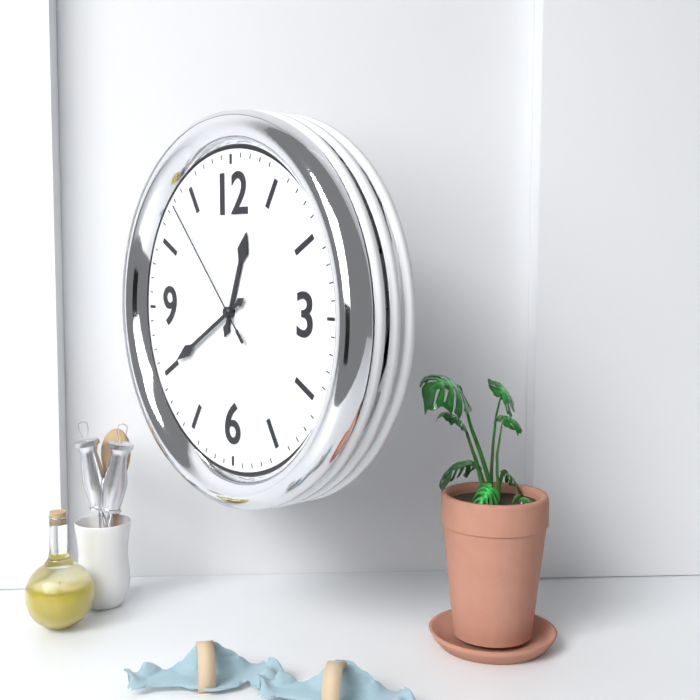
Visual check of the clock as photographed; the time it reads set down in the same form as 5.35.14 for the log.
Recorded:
12.40.53
